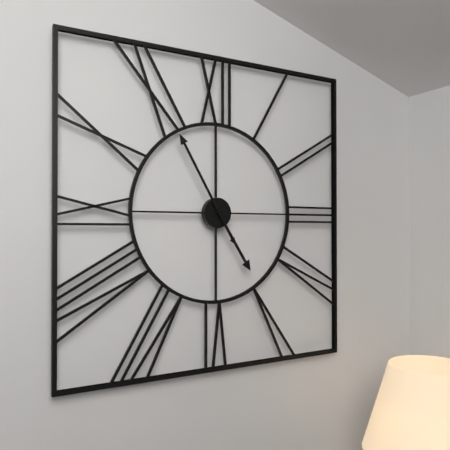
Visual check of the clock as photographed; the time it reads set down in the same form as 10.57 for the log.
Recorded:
4.55
